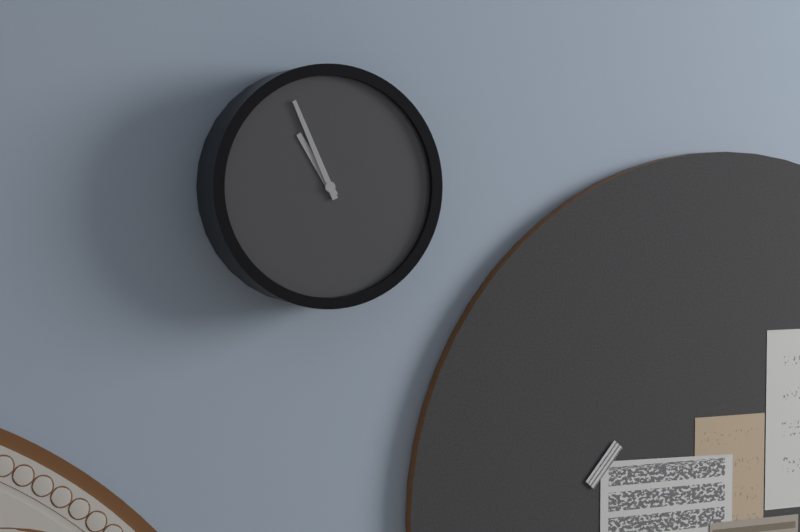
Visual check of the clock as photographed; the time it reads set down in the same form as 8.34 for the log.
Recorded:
10.56
